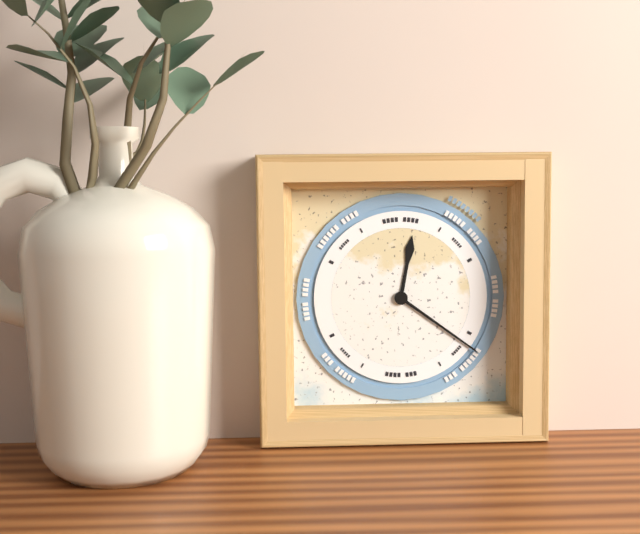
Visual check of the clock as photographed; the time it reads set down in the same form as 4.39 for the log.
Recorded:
12.21
